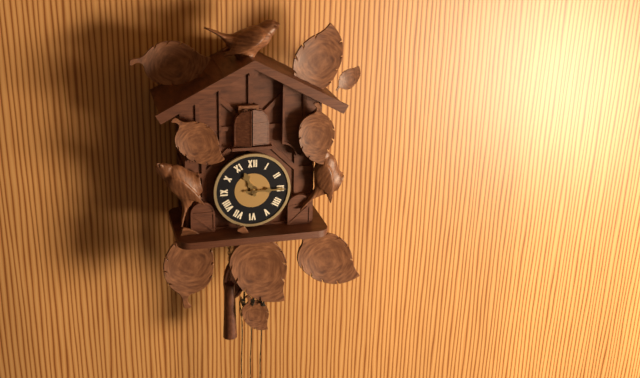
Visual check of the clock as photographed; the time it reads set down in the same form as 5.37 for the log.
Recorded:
11.15
